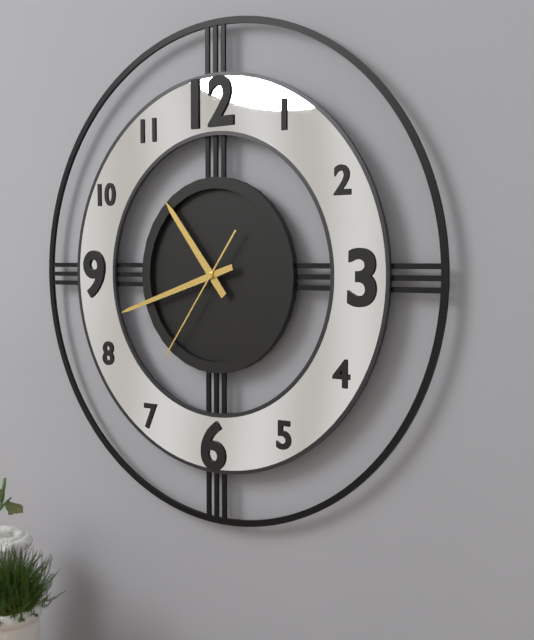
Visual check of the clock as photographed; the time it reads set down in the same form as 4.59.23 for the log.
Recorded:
10.42.36
